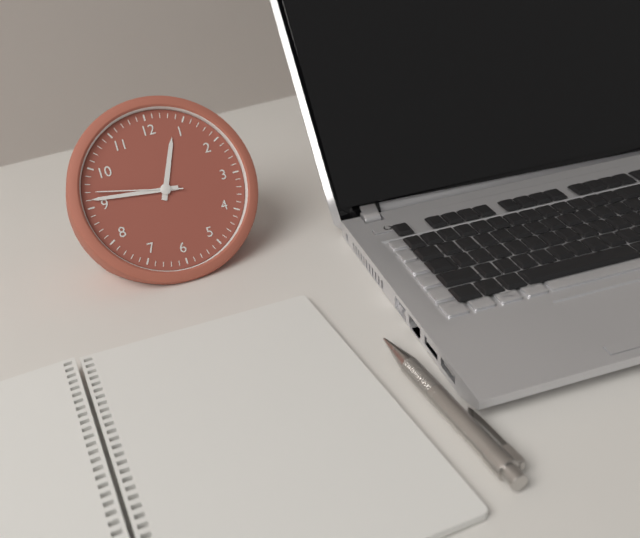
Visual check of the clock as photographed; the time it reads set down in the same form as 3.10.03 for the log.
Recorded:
12.46.47
